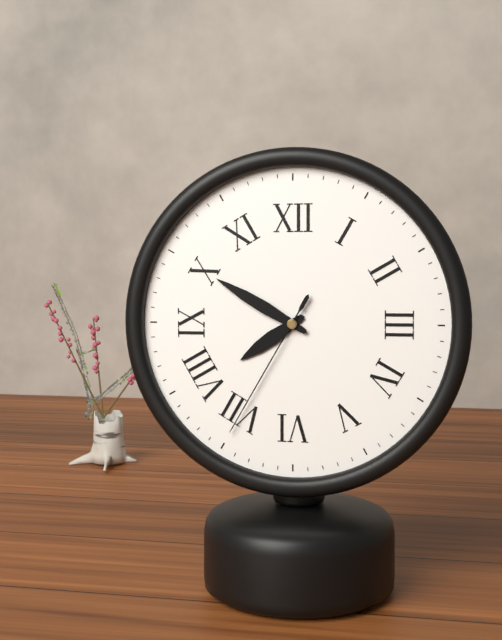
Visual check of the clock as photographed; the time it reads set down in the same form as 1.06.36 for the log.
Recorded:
7.50.35
